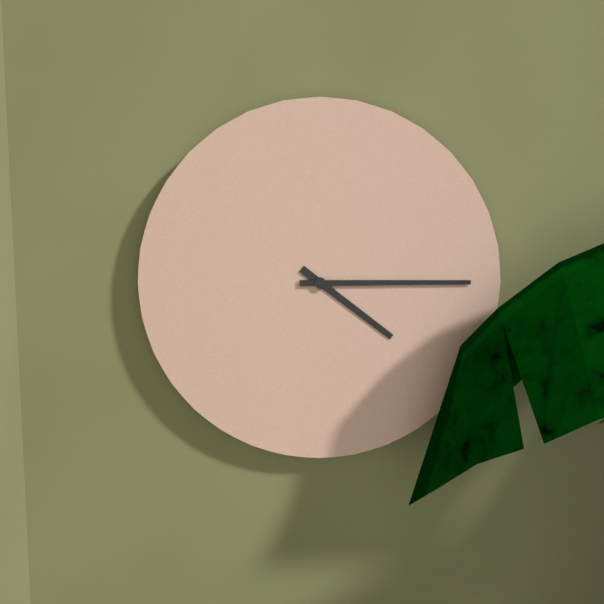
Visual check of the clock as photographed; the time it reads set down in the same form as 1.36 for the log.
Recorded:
4.15
